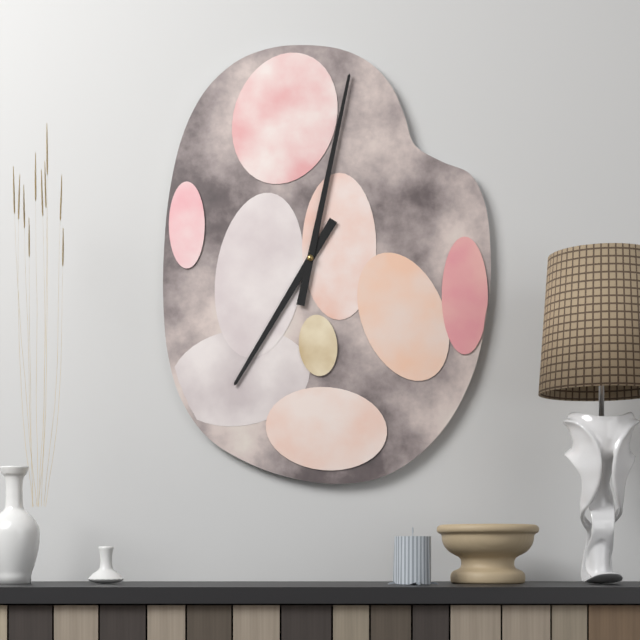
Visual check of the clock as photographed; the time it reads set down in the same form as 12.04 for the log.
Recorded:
7.02
